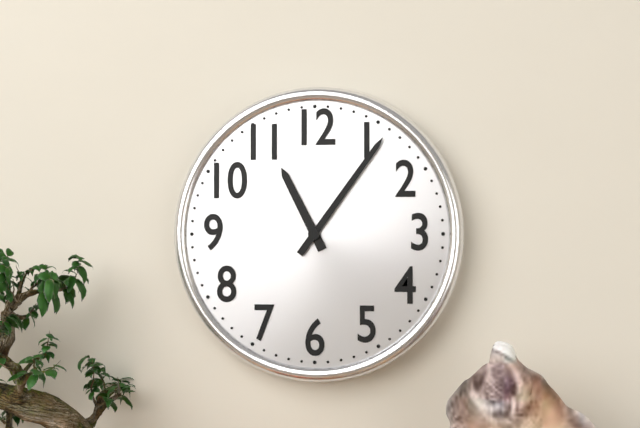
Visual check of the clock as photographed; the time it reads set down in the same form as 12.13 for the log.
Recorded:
11.06
